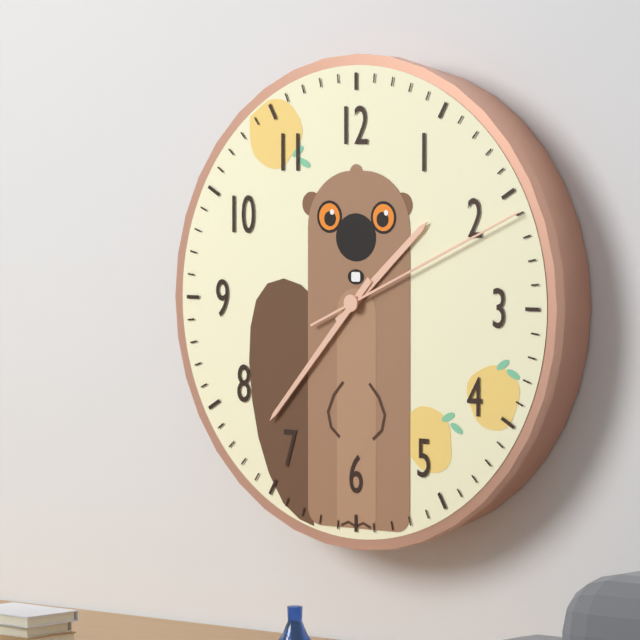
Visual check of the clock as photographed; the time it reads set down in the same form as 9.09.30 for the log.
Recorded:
1.37.11
